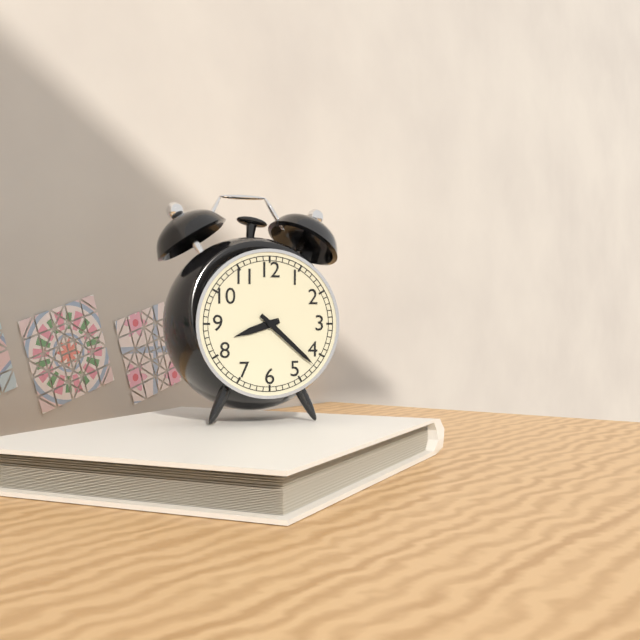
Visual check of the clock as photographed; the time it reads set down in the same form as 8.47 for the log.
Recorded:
8.22
